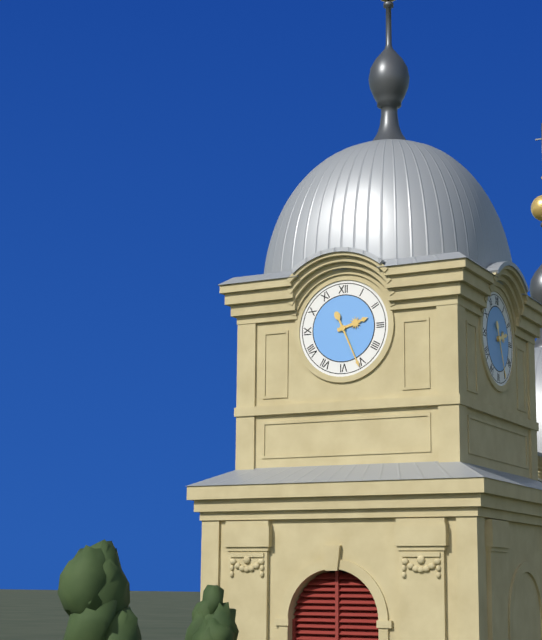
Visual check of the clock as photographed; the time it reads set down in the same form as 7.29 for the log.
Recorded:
2.26
